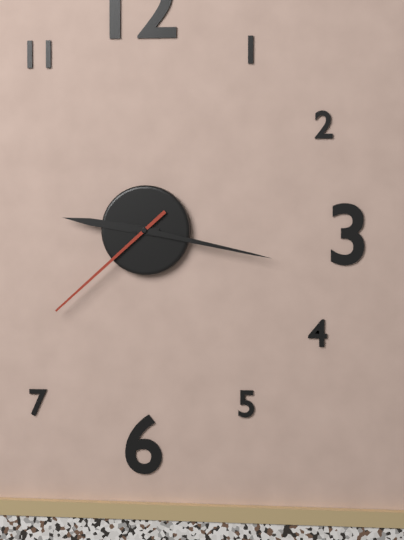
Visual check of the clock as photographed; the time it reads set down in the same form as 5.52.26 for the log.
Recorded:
9.17.38
